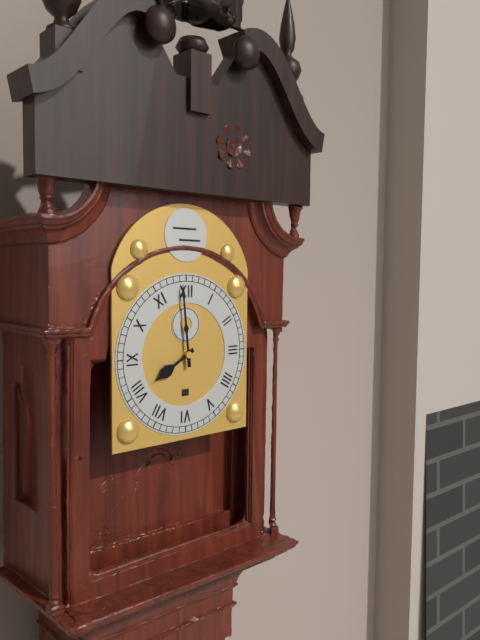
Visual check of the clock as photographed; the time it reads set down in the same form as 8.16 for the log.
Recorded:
7.59
